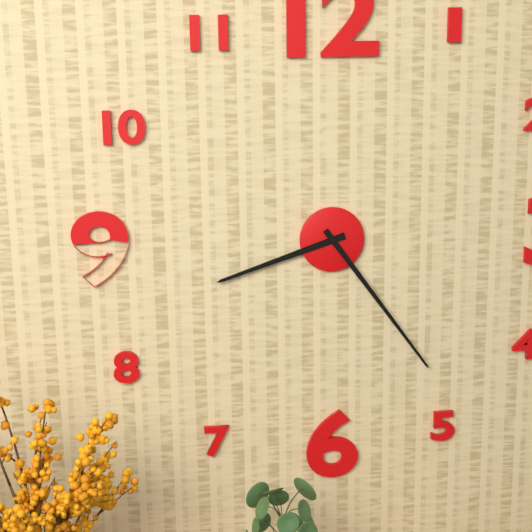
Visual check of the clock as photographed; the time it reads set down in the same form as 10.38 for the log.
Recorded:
8.24
